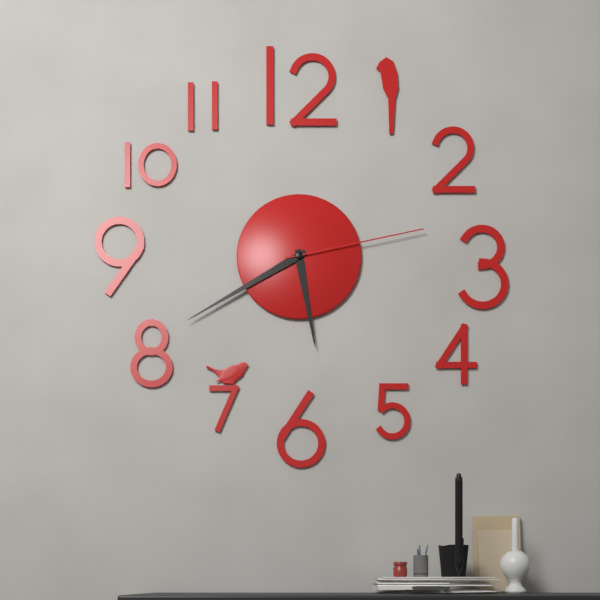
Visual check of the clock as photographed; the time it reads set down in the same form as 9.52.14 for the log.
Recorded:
5.40.13
